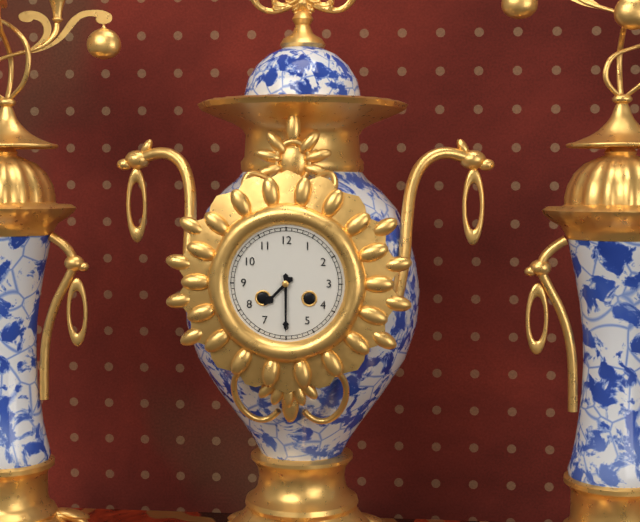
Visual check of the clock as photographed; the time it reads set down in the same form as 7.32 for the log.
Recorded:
7.30
